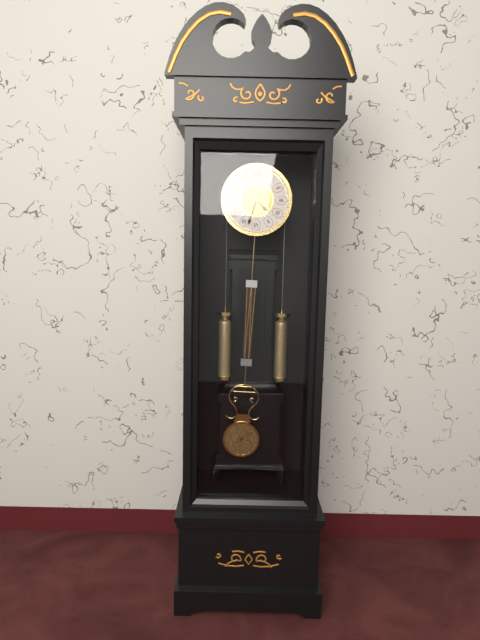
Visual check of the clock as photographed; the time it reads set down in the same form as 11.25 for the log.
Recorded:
4.33
